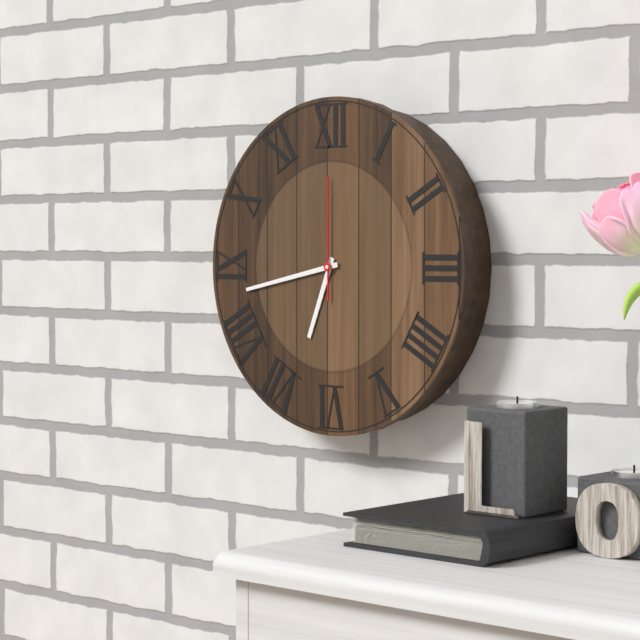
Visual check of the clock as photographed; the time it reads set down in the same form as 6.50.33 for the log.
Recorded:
6.43.00
